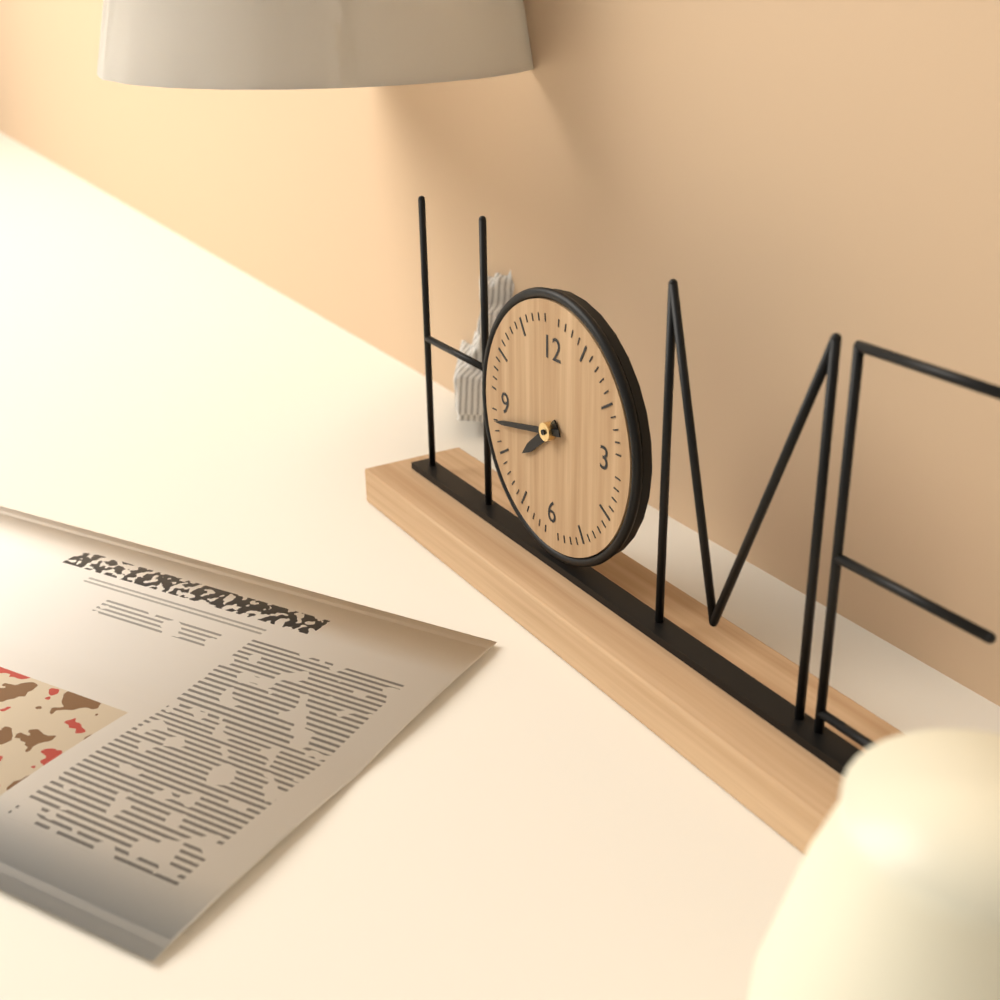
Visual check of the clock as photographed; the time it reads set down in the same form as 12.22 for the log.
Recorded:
7.43
